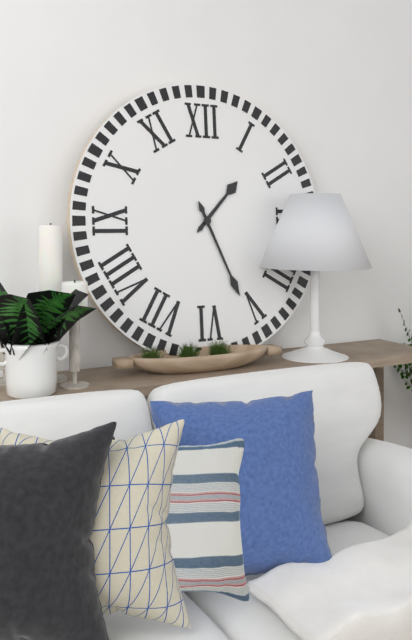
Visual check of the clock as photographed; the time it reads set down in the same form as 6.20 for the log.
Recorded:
1.26
